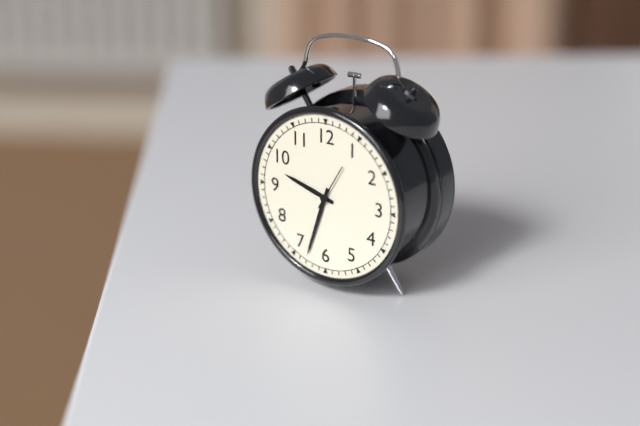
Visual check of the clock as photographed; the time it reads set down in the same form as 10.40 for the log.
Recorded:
9.33
